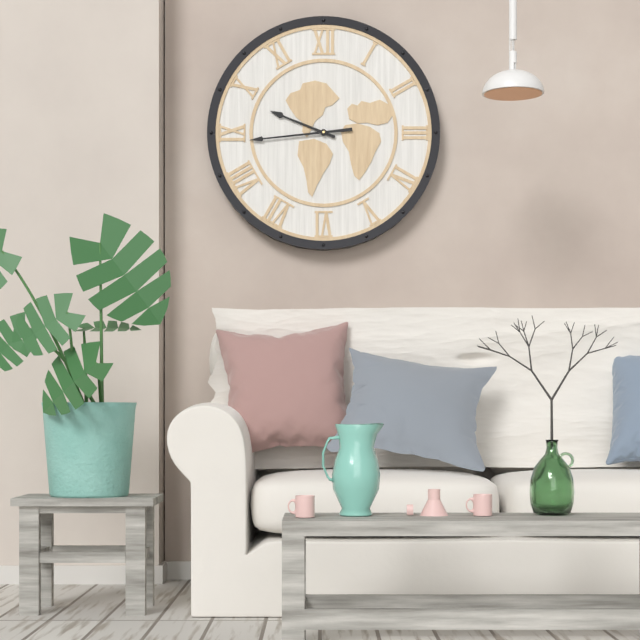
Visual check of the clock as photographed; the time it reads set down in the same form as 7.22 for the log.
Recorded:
9.44
